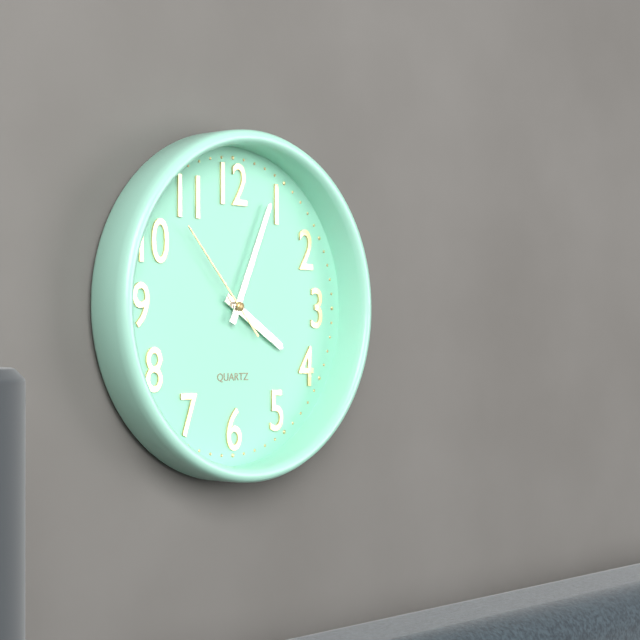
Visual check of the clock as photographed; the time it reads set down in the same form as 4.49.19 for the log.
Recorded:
4.04.53
